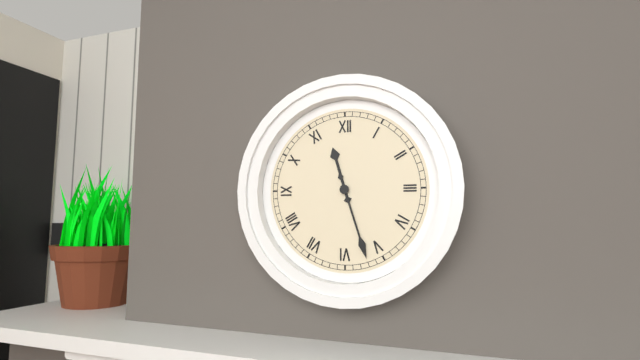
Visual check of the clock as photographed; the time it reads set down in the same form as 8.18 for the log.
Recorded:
11.27
